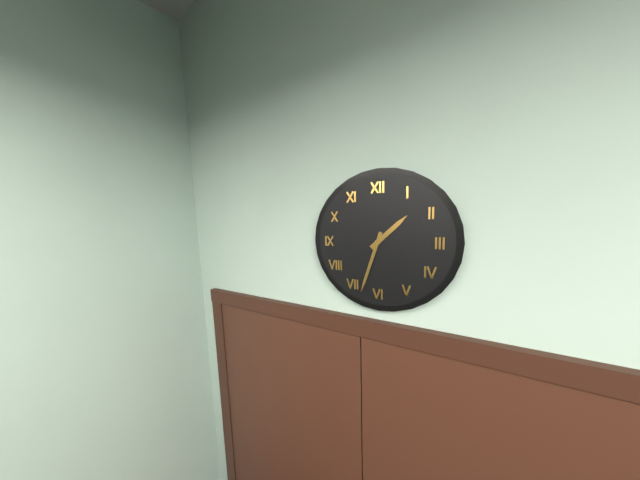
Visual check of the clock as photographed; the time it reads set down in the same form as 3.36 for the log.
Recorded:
1.33
